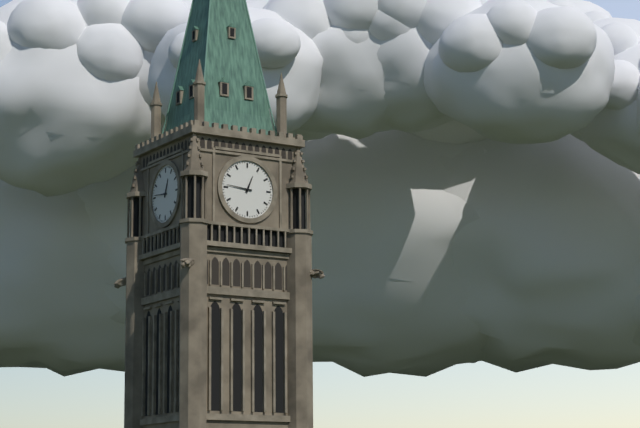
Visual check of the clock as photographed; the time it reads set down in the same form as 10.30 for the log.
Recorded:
12.46
